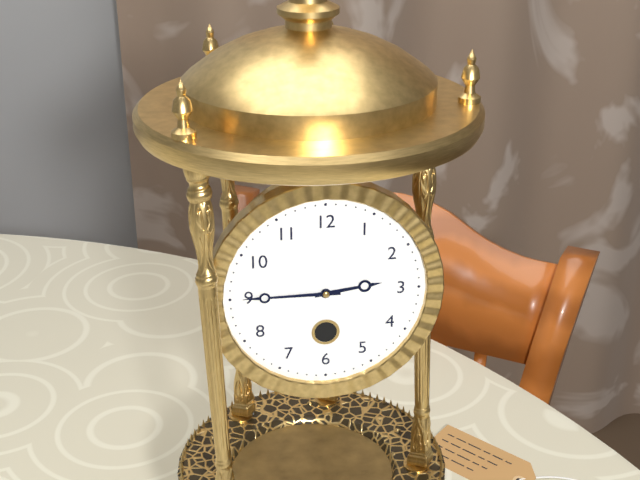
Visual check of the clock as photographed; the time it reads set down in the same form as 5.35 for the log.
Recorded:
2.45
